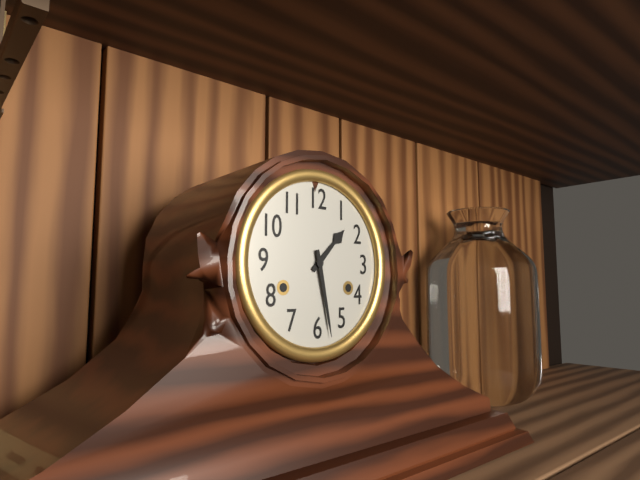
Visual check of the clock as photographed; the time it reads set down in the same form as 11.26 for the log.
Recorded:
1.28
